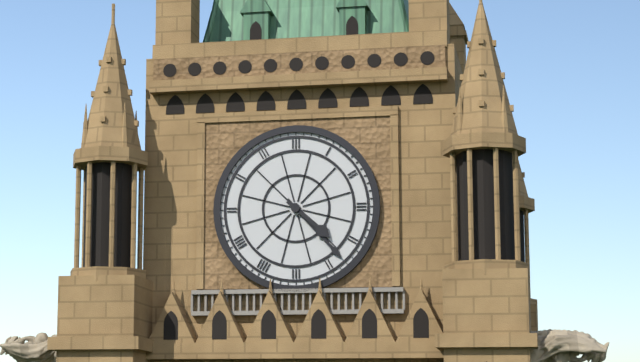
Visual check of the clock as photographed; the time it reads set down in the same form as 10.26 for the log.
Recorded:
4.23
